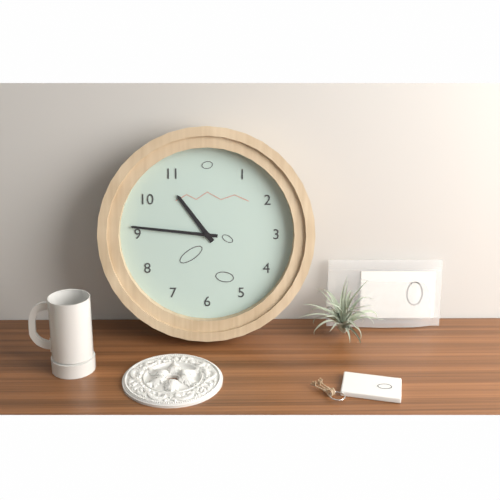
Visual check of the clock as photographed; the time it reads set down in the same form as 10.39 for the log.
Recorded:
10.46
